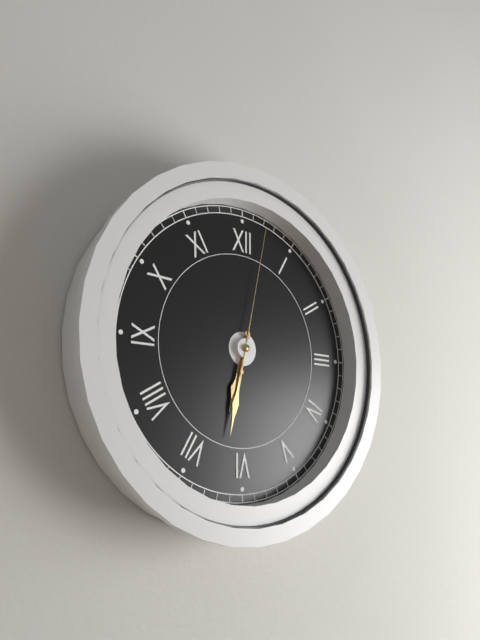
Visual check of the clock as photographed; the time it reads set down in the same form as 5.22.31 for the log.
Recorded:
6.32.02
